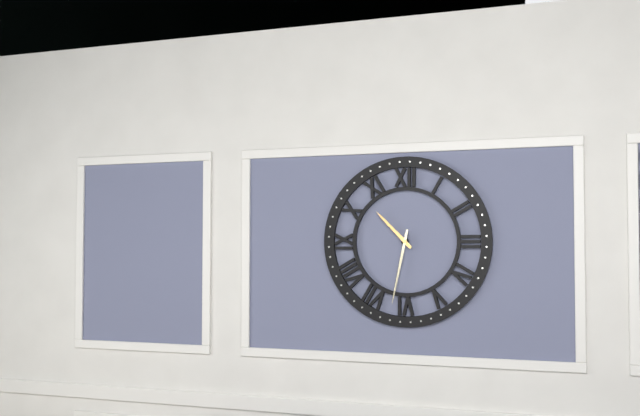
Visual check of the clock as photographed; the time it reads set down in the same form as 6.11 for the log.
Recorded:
10.32
